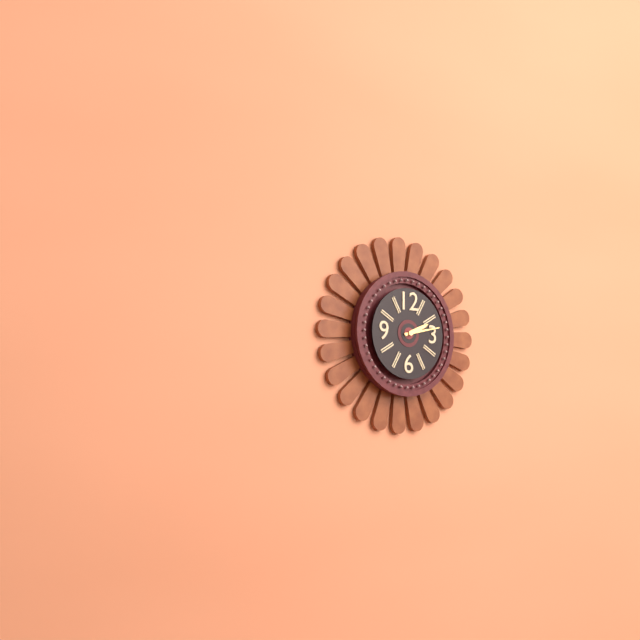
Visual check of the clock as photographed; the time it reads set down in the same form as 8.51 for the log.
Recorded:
2.13
